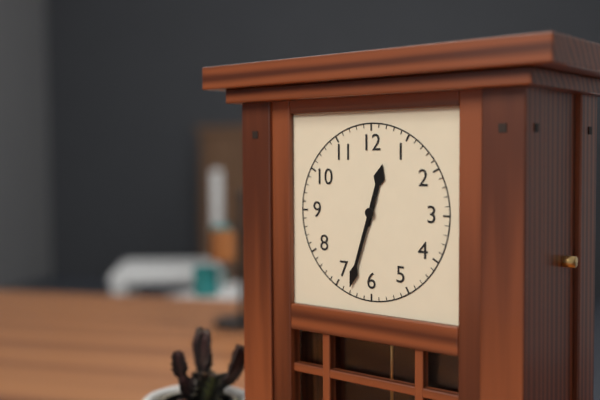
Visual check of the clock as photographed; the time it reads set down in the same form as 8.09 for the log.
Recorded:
12.33
